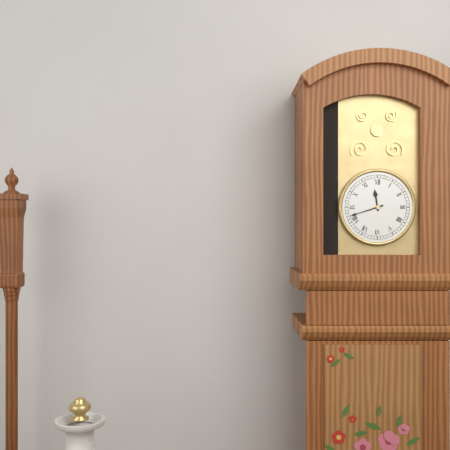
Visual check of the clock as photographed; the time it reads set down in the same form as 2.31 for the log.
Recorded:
11.42
